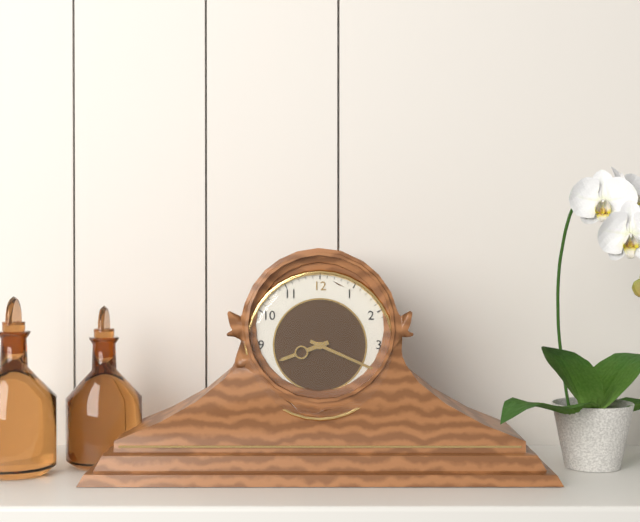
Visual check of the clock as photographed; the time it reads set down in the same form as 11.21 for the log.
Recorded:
8.19
